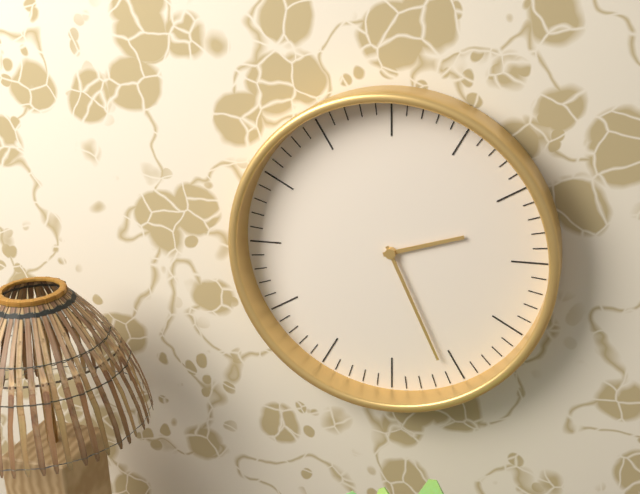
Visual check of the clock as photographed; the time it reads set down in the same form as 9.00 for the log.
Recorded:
2.26
